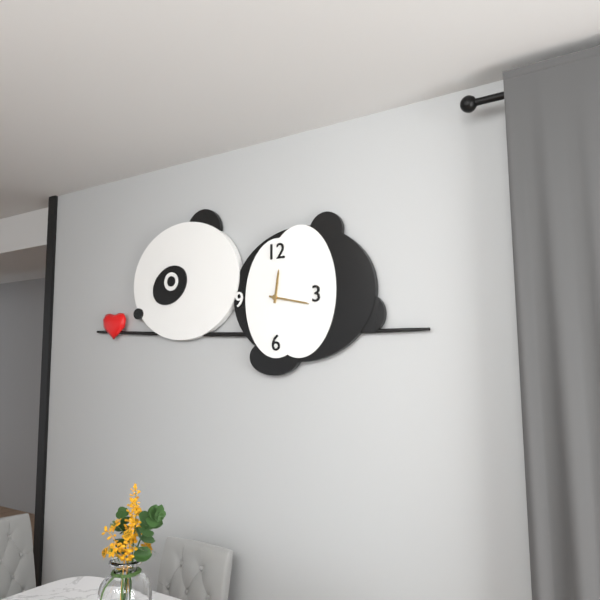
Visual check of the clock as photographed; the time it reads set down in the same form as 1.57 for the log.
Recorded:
12.17
